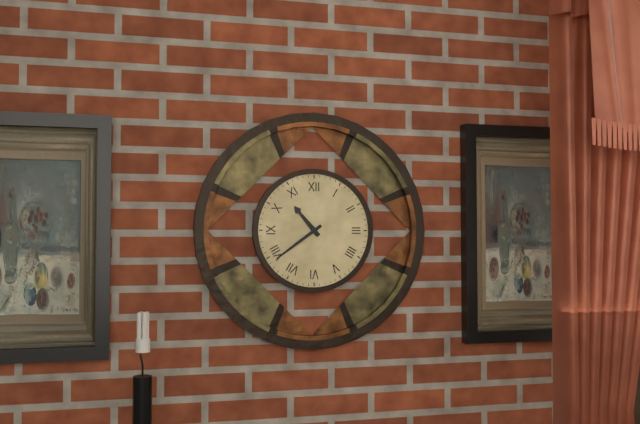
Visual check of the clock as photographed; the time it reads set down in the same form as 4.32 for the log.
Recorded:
10.39
